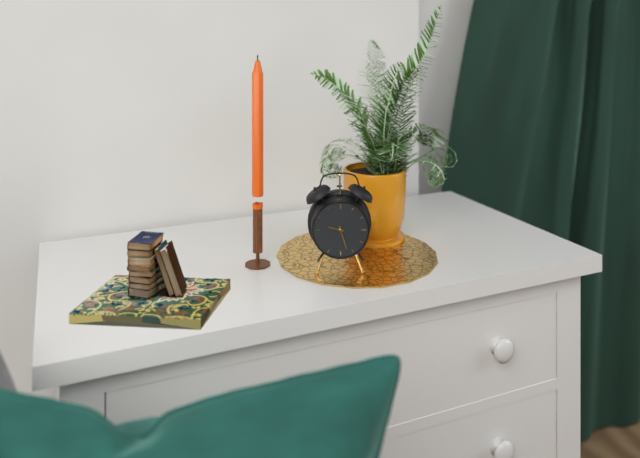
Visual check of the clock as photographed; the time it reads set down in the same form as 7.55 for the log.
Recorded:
9.27
